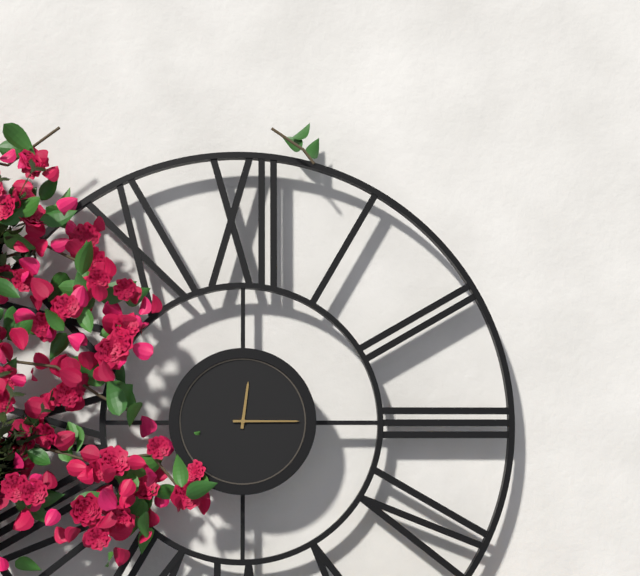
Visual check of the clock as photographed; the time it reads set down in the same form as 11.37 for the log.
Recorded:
12.15
